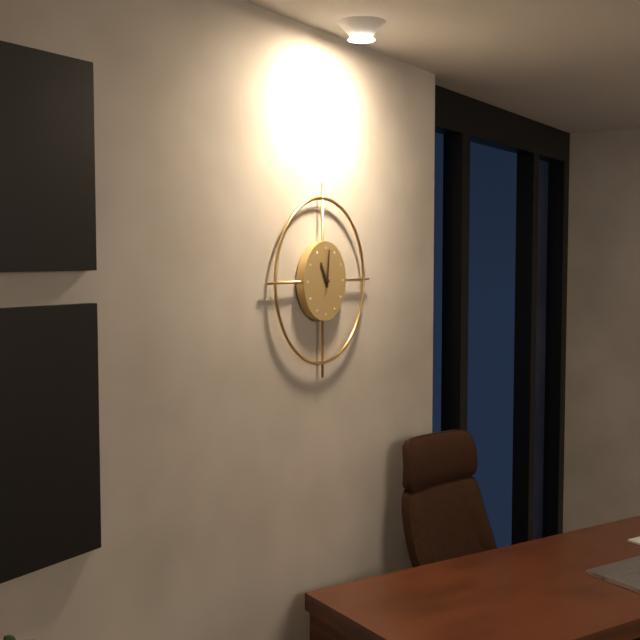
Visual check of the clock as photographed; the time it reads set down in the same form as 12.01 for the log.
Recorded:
11.01
